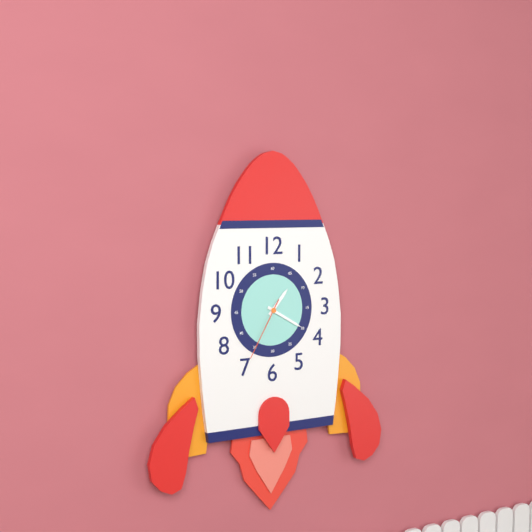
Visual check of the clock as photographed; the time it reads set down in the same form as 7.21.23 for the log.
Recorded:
1.20.35
